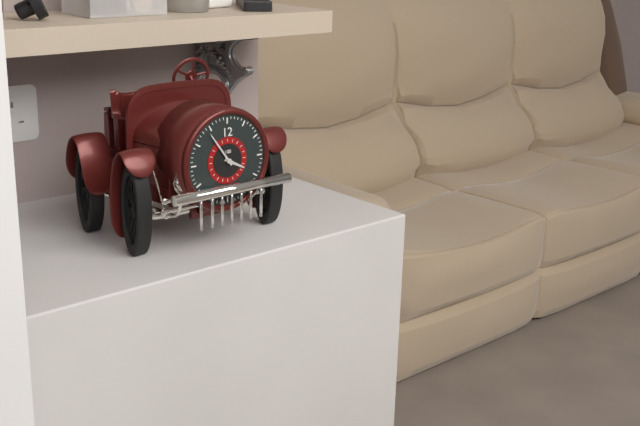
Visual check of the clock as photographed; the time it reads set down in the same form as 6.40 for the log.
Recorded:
3.54
